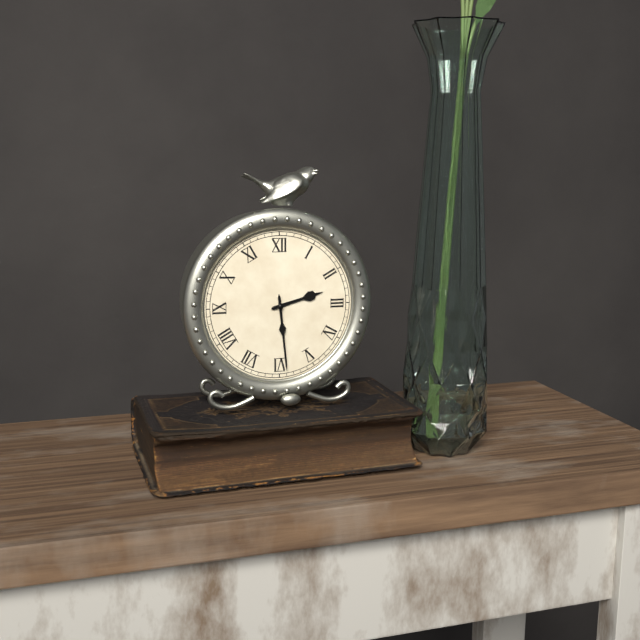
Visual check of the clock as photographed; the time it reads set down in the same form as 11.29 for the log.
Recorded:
2.29
